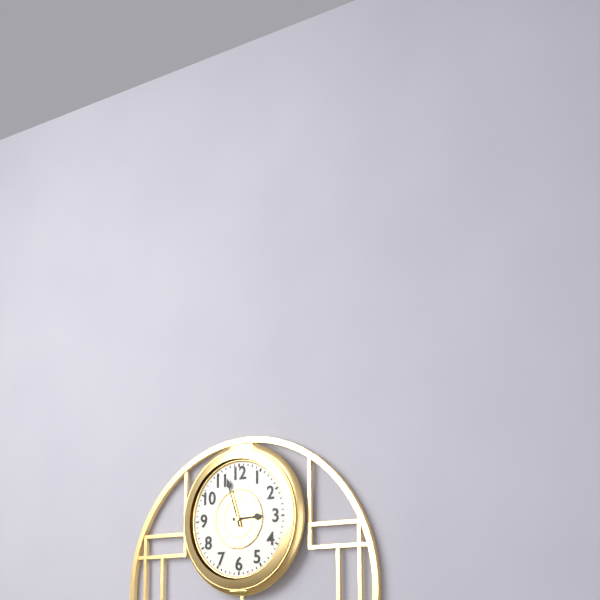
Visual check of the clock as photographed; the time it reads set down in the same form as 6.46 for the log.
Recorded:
2.57
